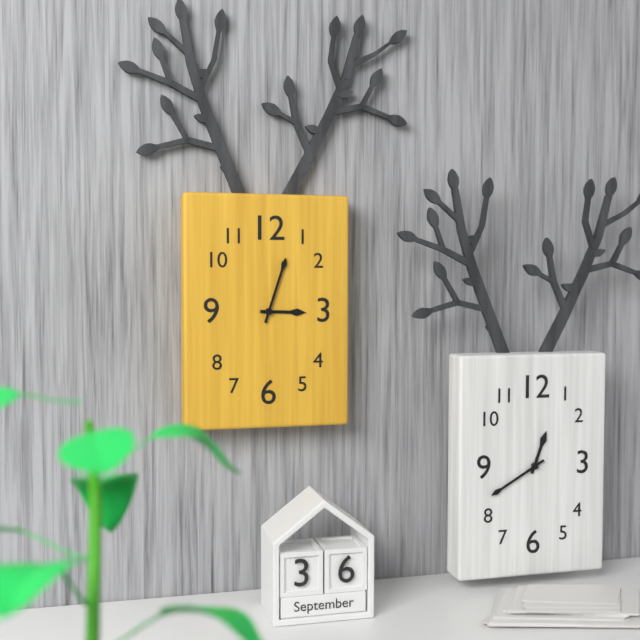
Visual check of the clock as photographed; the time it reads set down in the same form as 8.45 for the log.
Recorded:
3.03
